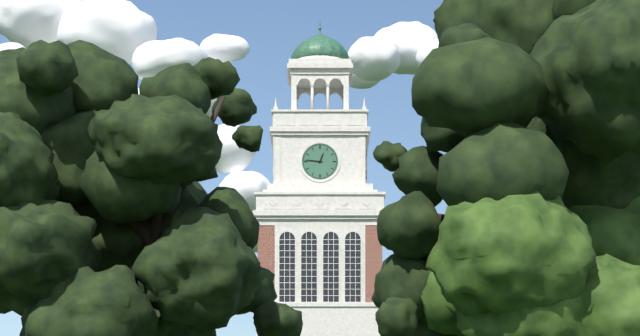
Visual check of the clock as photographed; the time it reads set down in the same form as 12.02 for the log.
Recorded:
12.46
